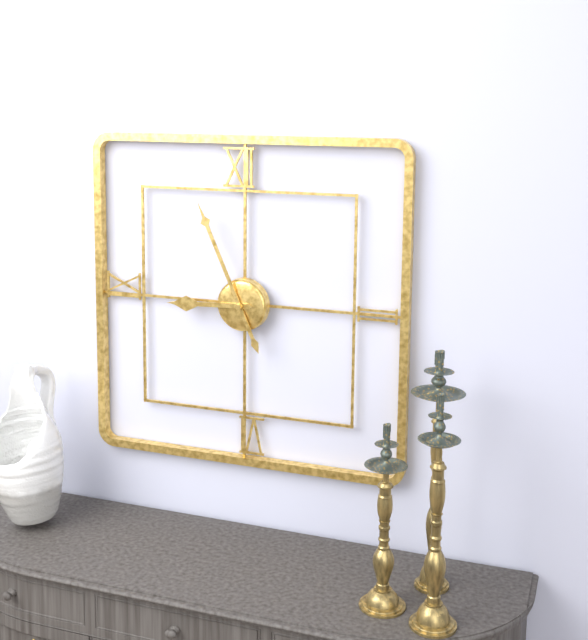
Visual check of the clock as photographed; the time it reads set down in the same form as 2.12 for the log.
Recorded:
8.56
